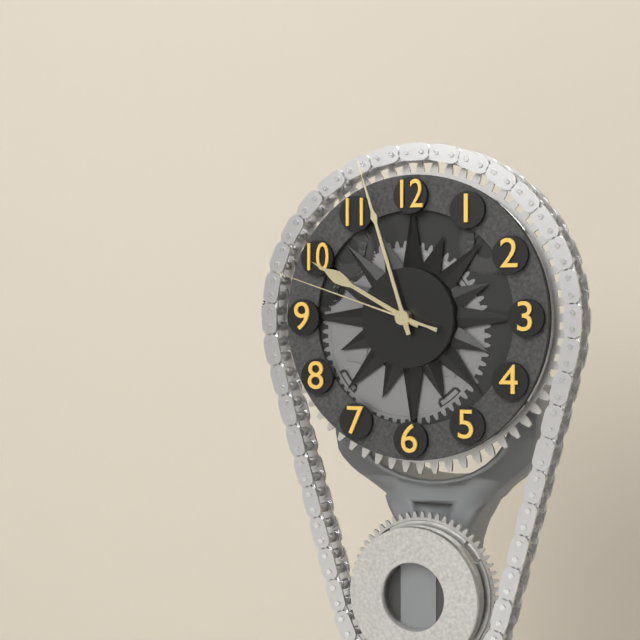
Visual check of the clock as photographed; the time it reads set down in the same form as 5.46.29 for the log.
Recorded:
9.57.48
